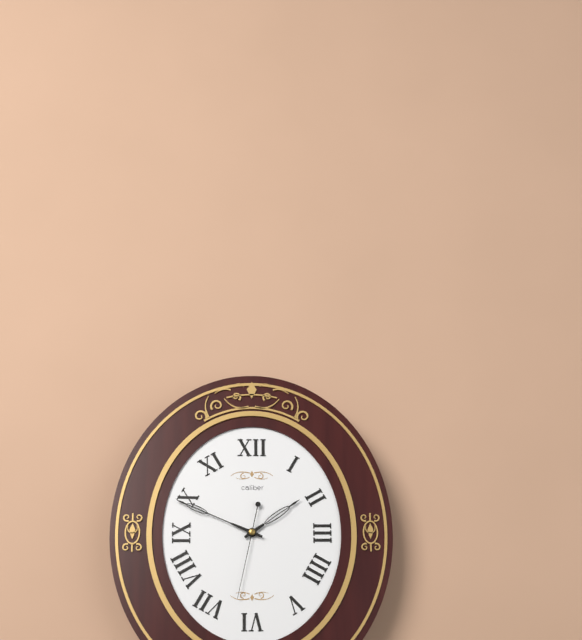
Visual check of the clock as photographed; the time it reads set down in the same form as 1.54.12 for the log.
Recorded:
1.49.32
